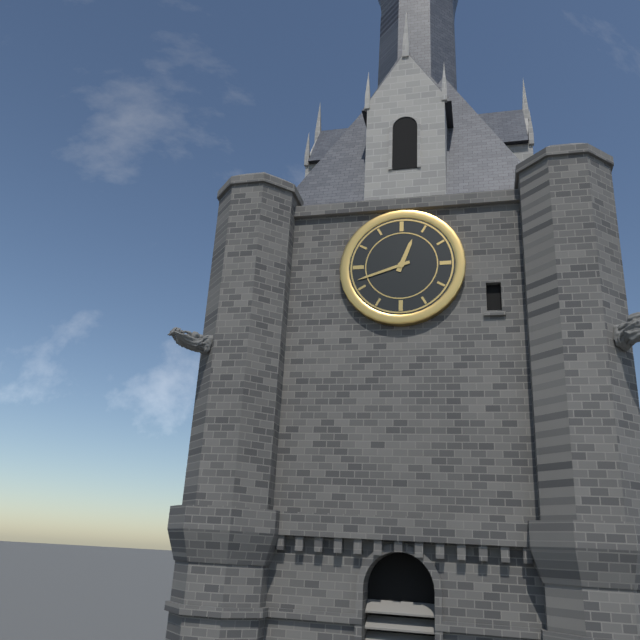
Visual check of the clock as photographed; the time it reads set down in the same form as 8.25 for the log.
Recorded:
12.42
